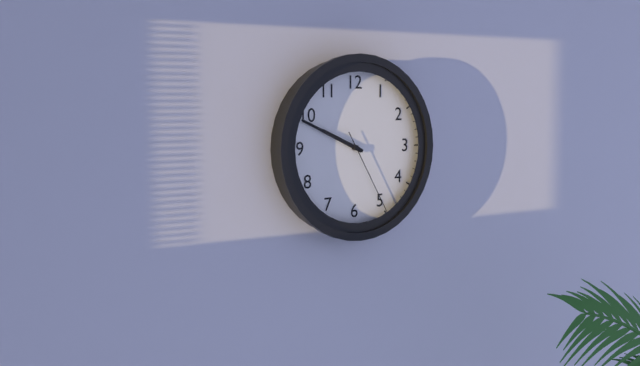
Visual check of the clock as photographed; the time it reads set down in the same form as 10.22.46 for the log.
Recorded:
9.49.25
